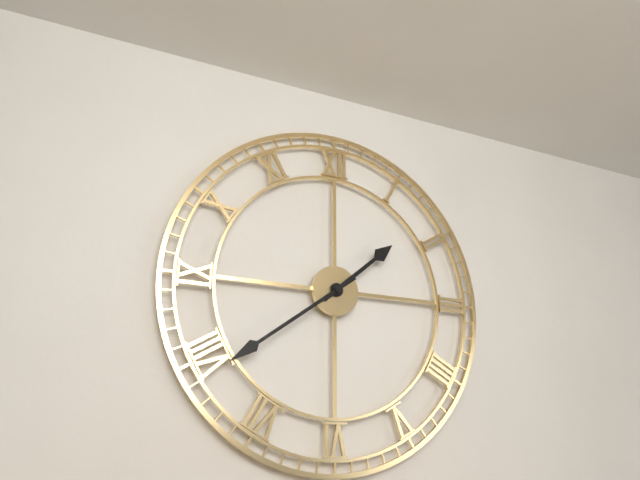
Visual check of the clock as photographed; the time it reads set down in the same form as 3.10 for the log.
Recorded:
1.39
